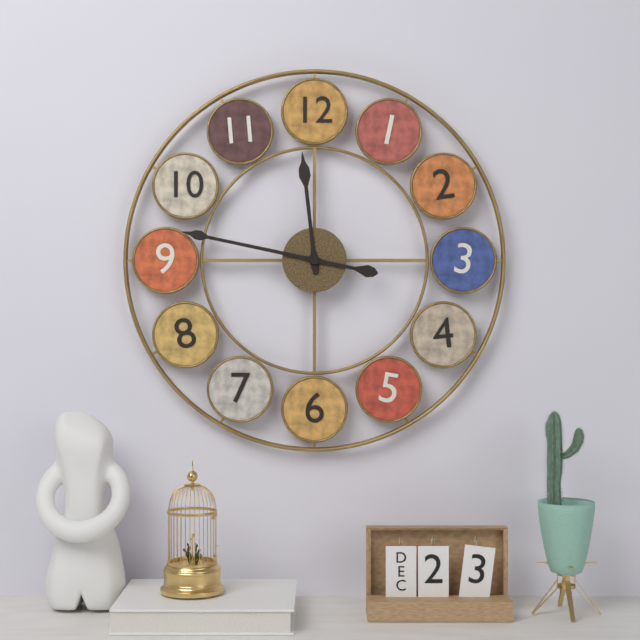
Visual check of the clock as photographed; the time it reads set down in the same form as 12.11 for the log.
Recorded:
11.47
